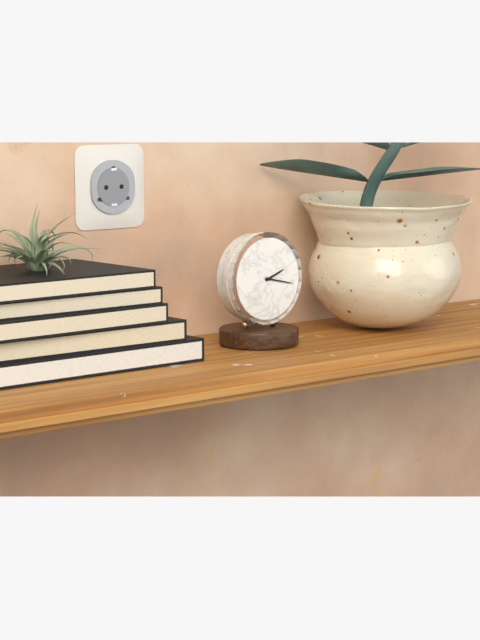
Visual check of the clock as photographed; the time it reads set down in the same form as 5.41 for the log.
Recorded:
2.17
